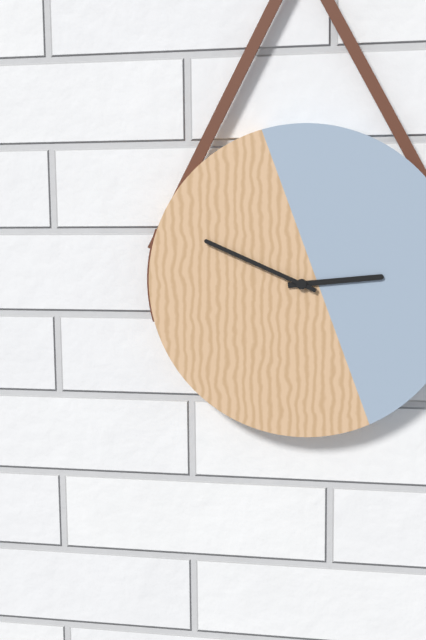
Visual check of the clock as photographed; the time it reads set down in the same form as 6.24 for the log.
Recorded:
2.49
